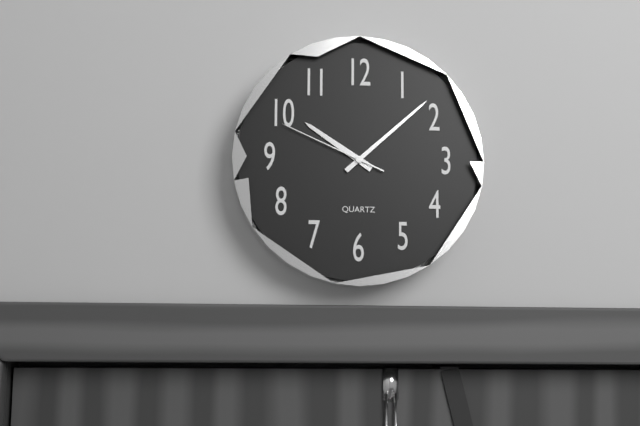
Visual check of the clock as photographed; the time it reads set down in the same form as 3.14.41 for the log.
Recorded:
10.08.49
